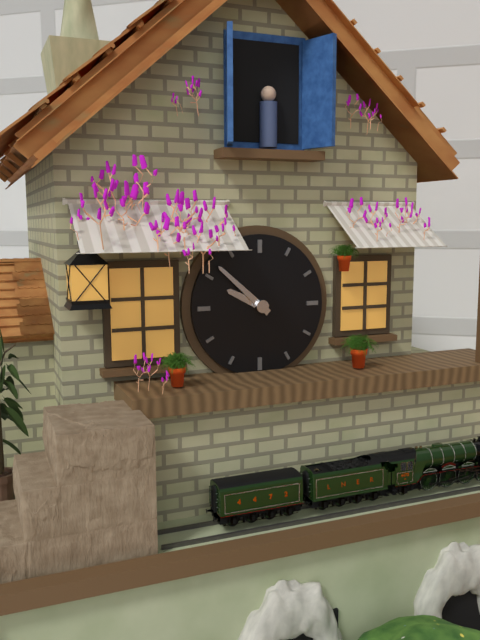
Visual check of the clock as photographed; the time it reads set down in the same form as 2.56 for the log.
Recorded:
9.52
